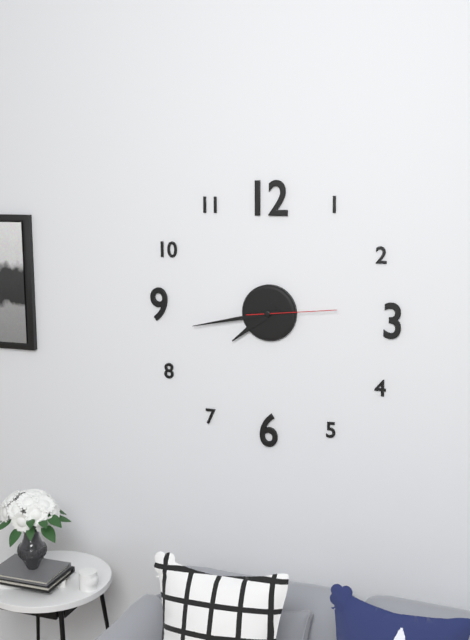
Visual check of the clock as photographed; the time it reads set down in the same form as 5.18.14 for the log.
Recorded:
7.43.14
